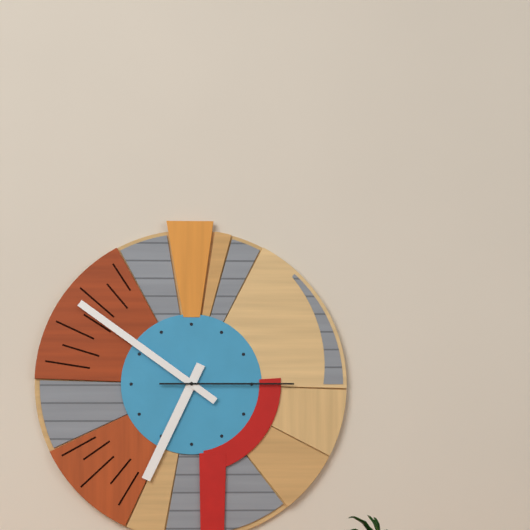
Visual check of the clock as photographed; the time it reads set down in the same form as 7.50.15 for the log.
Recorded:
6.51.15
